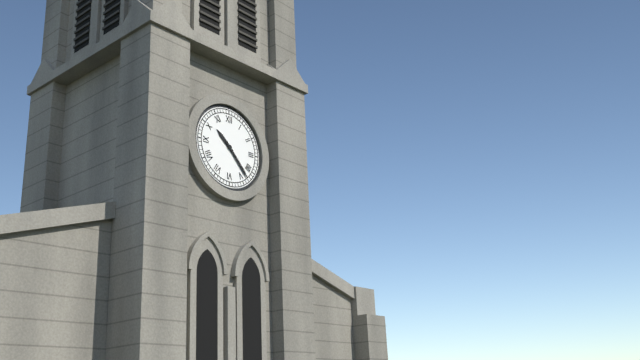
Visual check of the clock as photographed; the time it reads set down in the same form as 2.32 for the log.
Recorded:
10.23
